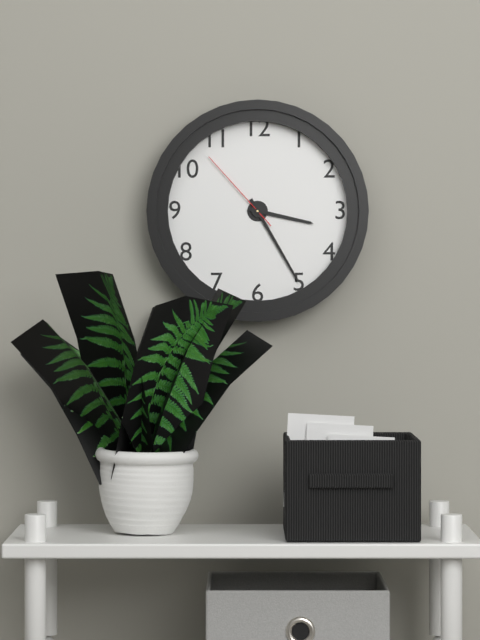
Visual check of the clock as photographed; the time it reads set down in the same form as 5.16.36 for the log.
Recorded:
3.25.53
